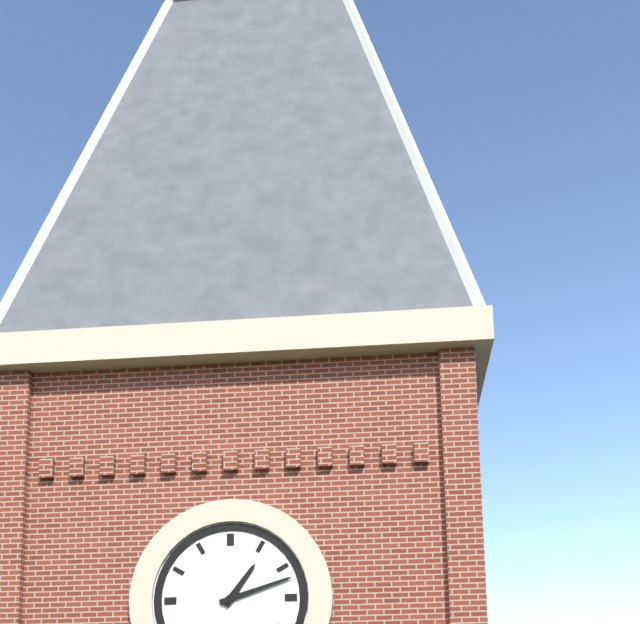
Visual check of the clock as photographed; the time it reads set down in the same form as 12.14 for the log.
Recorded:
1.12
